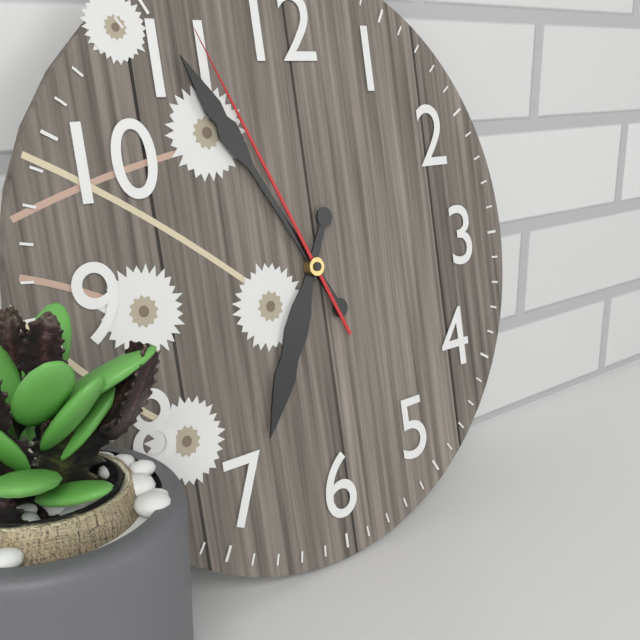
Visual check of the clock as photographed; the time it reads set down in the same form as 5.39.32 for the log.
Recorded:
6.55.56
